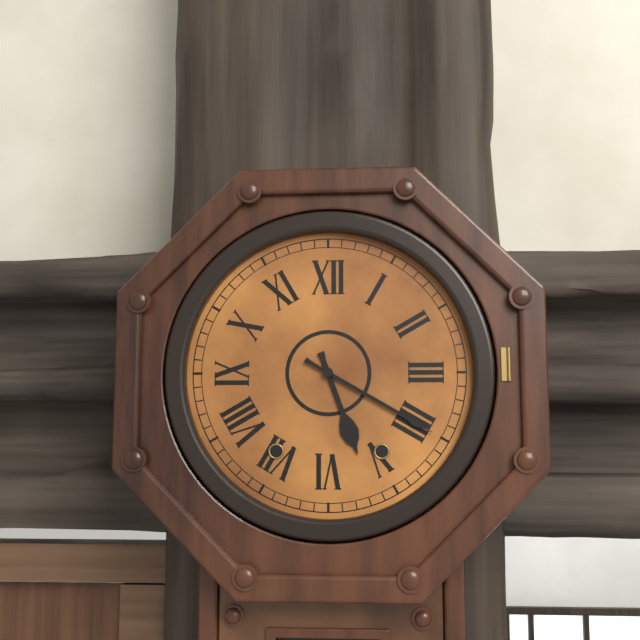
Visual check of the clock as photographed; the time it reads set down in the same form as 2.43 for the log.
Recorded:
5.20
